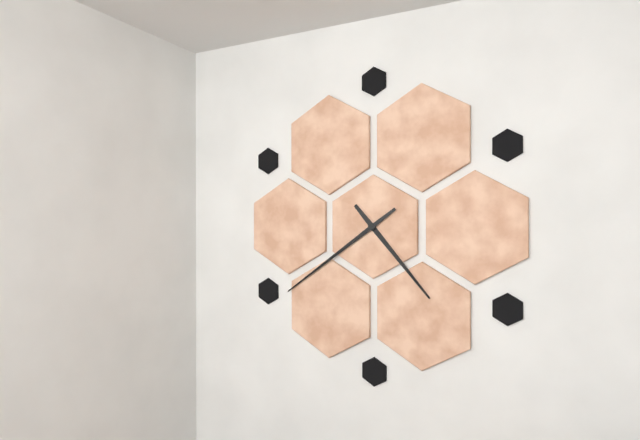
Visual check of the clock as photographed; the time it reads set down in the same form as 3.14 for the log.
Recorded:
4.39
